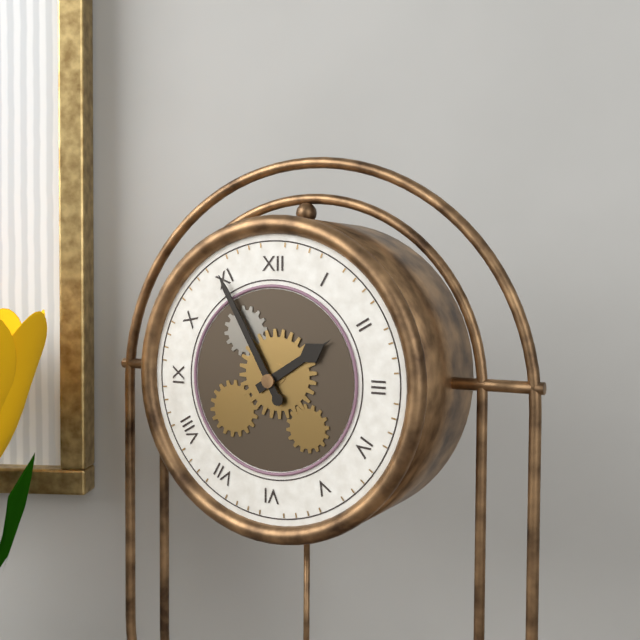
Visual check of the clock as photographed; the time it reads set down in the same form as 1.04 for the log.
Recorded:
1.55
